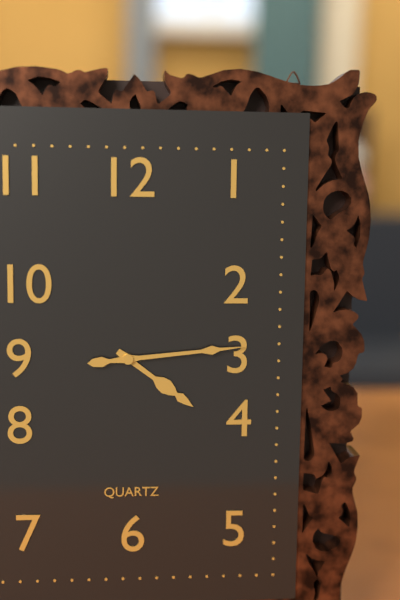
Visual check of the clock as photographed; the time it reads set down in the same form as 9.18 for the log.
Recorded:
4.14
